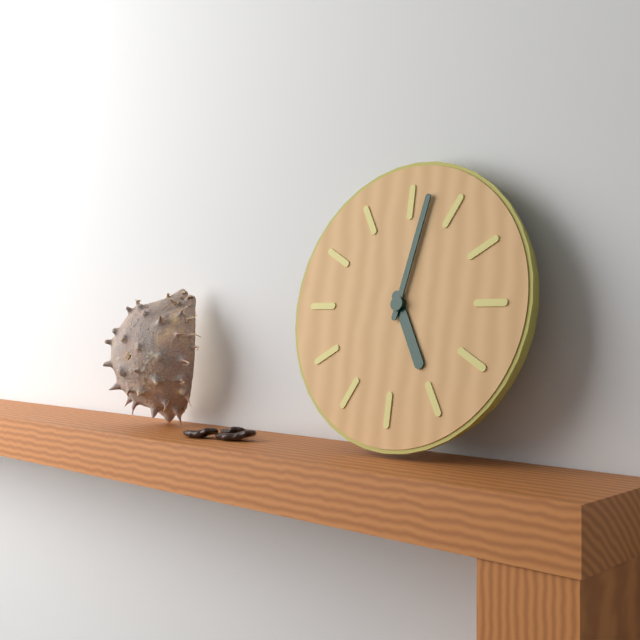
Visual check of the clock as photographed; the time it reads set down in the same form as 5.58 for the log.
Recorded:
5.02
